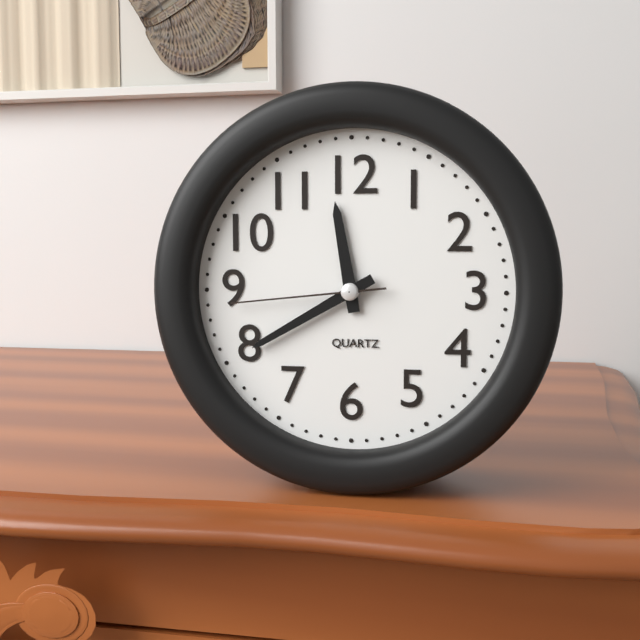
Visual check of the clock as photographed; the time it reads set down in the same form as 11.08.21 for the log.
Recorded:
11.40.44
